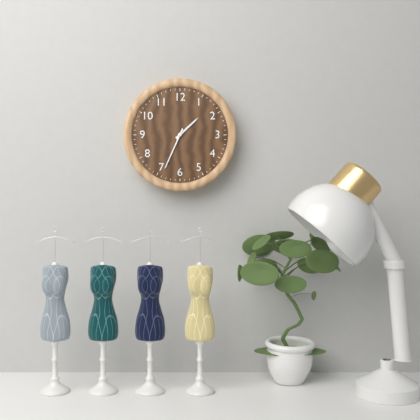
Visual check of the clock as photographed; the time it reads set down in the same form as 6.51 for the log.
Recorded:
1.34
